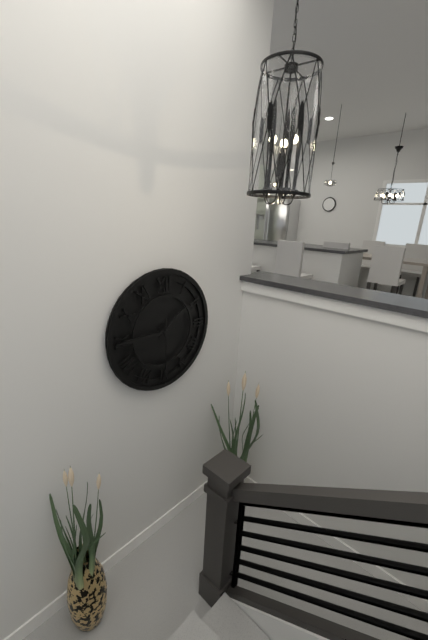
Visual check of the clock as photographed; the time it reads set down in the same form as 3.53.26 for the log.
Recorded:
1.45.30
